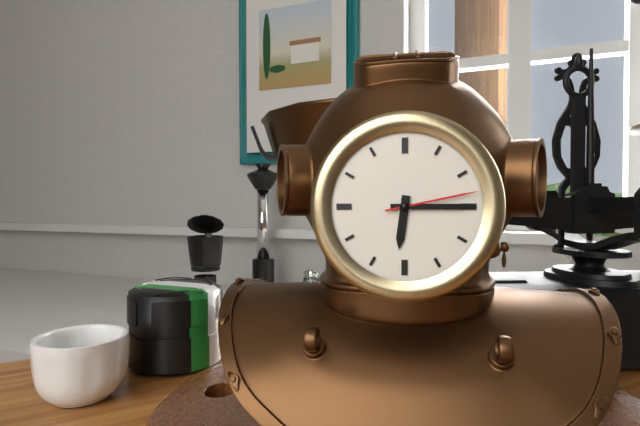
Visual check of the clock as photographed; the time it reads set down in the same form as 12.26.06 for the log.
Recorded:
6.15.13
